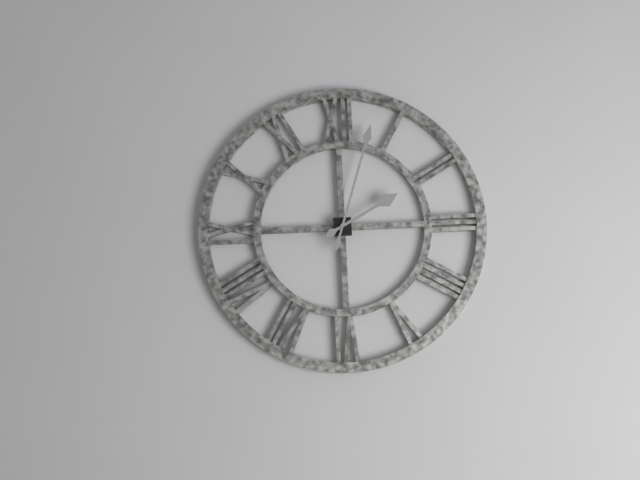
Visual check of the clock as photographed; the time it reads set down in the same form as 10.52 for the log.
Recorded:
2.03
